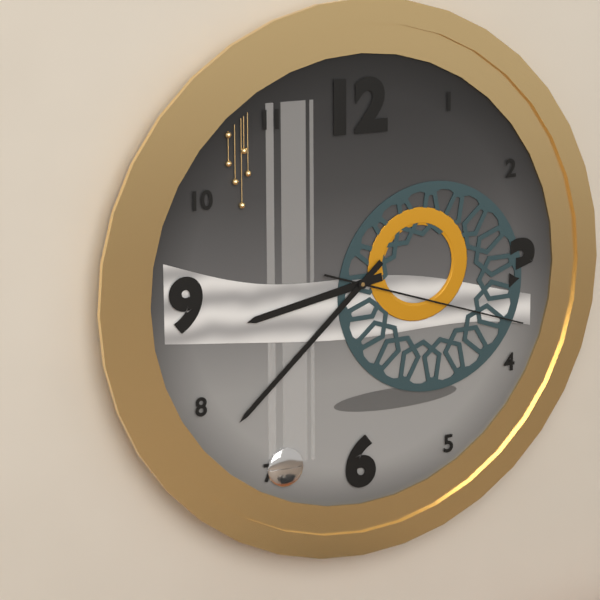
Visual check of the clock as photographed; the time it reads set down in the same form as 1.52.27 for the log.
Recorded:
8.38.18
